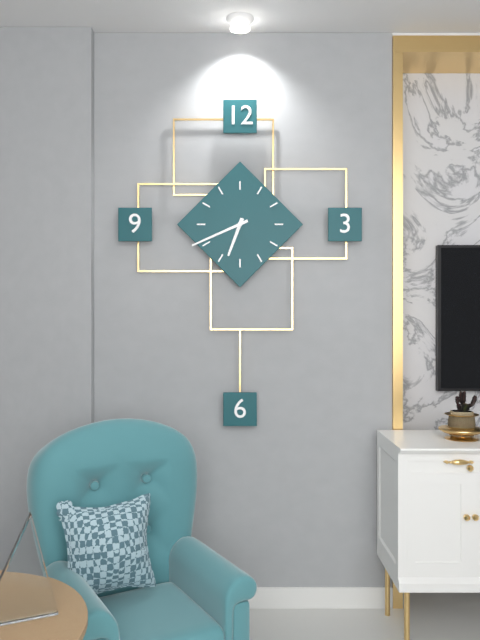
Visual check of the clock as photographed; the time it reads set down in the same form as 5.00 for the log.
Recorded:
6.41
